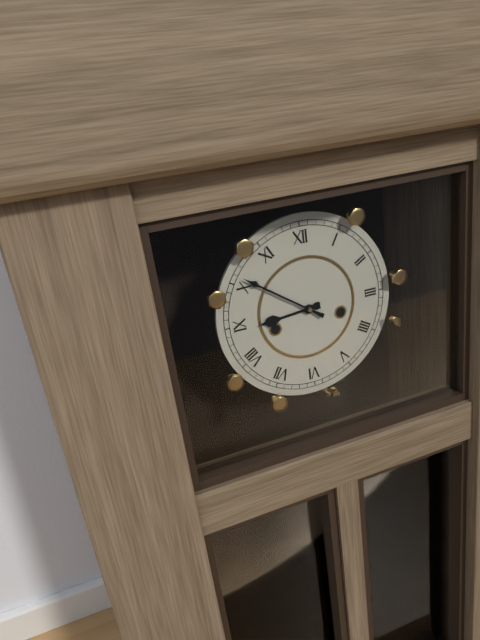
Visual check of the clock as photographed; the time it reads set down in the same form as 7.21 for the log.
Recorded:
8.51
